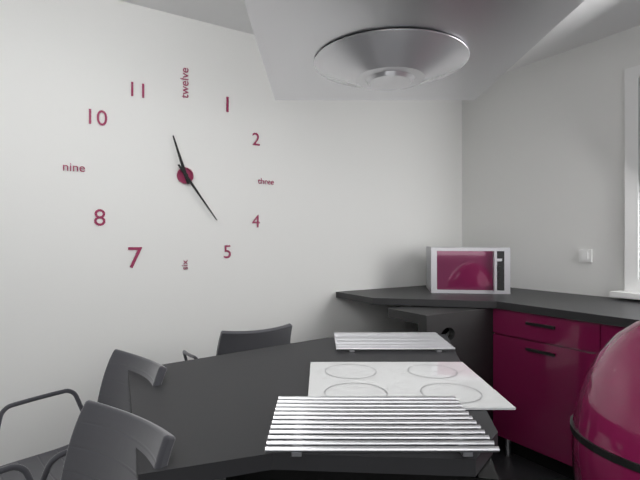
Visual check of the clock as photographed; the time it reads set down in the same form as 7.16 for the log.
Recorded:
11.24
